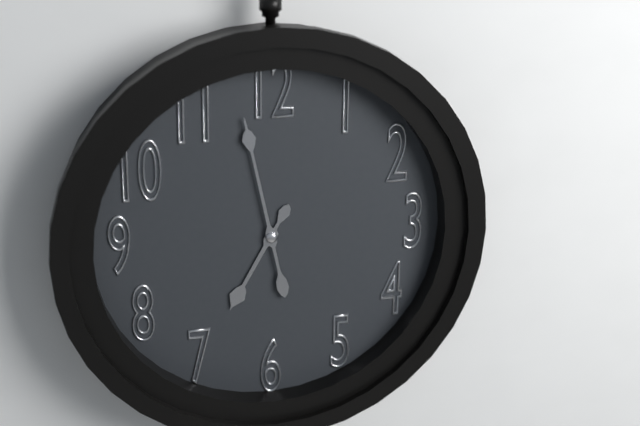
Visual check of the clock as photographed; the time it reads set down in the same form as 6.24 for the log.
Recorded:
6.58
